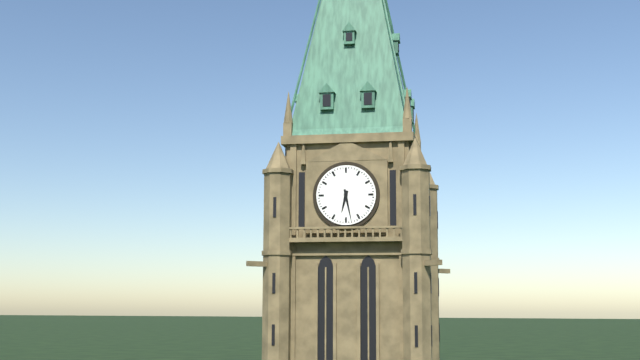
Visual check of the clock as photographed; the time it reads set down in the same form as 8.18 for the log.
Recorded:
6.28
